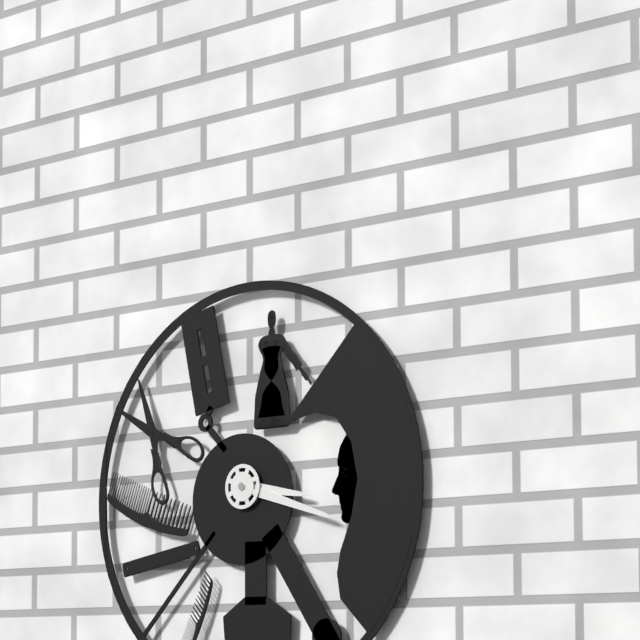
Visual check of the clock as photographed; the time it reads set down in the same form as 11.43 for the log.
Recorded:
3.18
